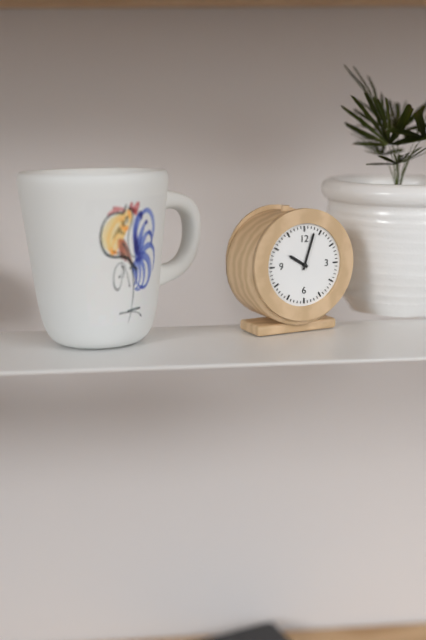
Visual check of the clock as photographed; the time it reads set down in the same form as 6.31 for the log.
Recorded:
10.03
